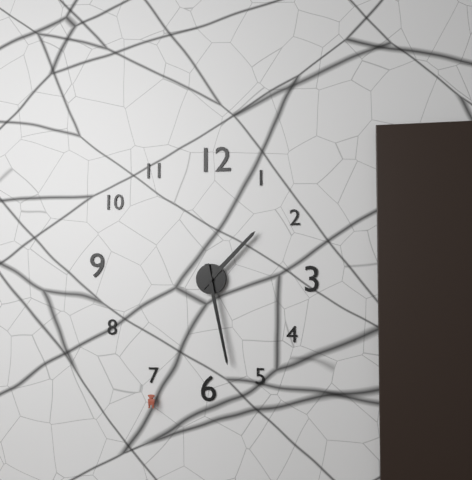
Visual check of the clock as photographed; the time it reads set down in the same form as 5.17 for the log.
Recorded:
1.28
